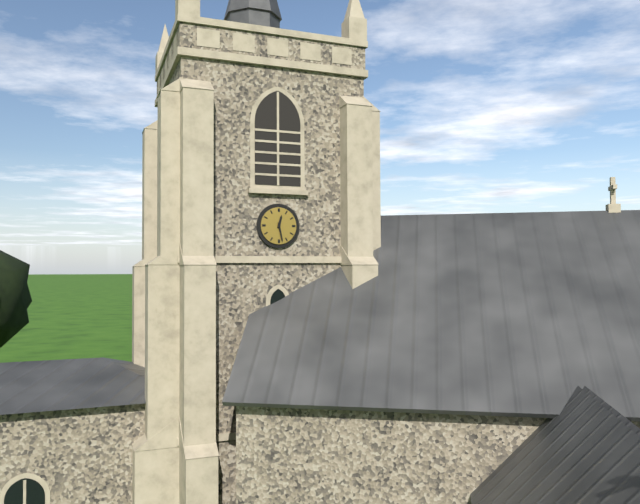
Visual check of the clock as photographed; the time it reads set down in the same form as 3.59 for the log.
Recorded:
12.28
